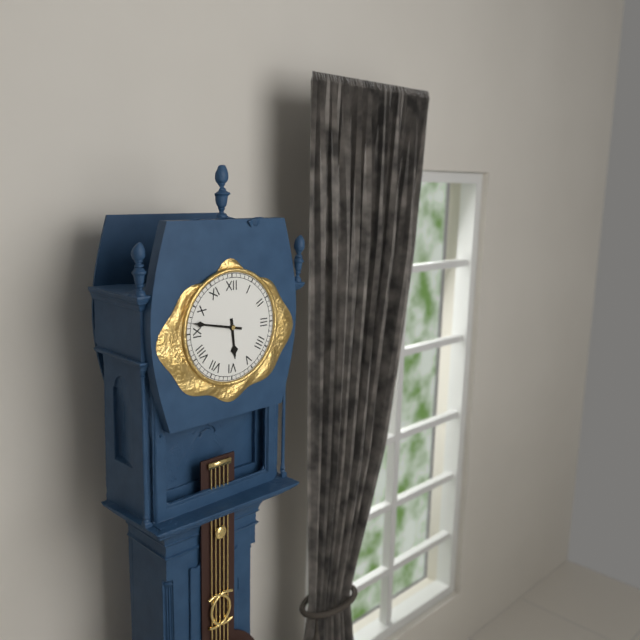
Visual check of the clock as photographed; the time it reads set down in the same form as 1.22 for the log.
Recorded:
5.47
